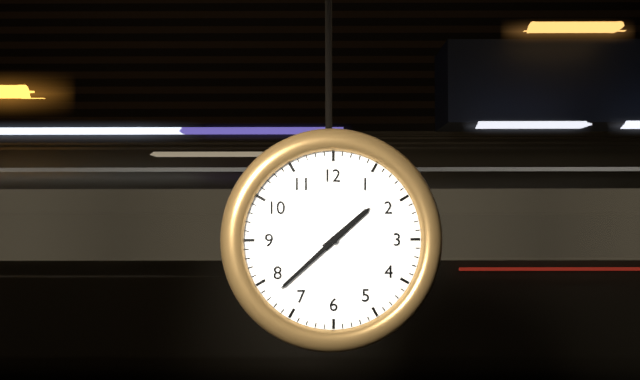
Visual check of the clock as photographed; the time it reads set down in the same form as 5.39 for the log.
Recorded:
1.38
